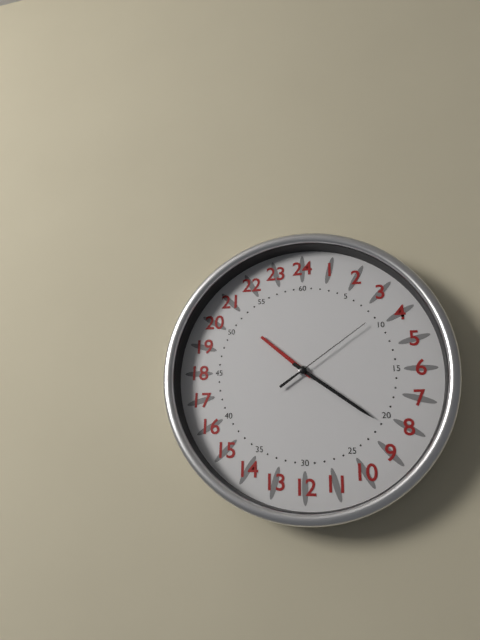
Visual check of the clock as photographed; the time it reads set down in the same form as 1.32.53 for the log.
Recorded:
10.21.09
